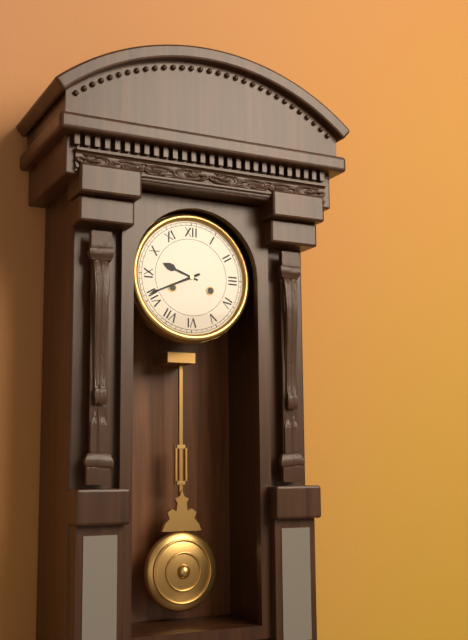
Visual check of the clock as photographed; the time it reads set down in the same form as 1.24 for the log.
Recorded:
9.41
